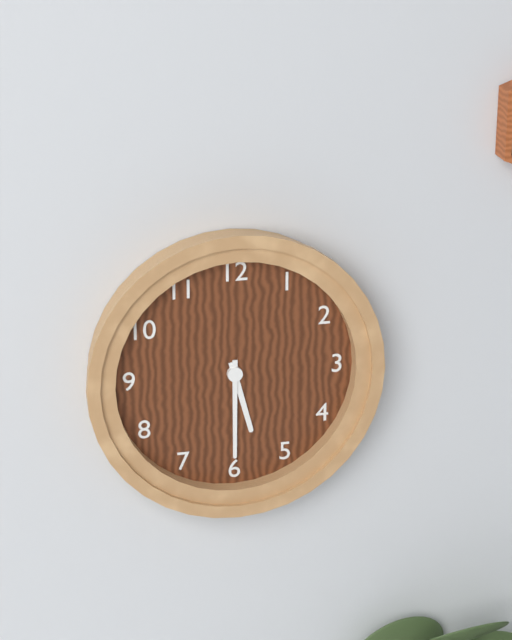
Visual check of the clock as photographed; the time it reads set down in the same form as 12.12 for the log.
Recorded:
5.30
